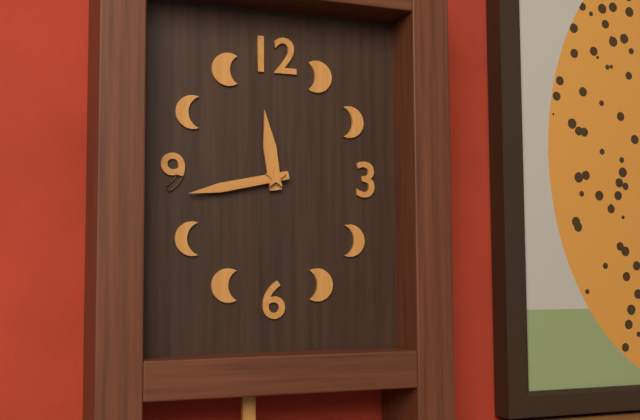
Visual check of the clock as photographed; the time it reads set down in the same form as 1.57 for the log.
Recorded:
11.43
